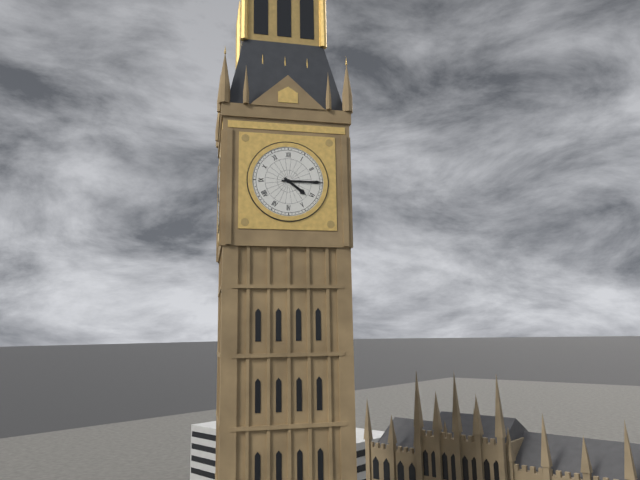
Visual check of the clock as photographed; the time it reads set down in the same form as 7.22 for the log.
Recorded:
4.15
